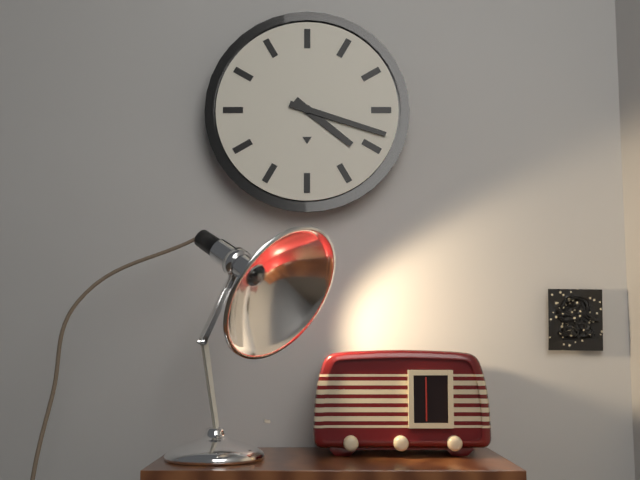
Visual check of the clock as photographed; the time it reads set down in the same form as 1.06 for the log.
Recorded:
4.18
